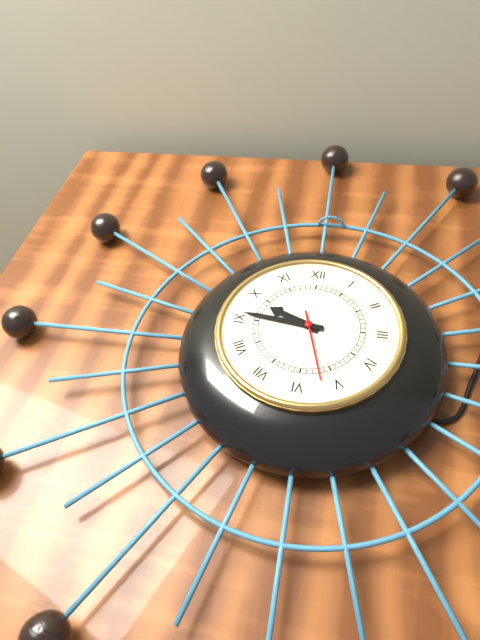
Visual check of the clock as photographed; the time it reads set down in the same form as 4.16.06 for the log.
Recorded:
9.46.27
